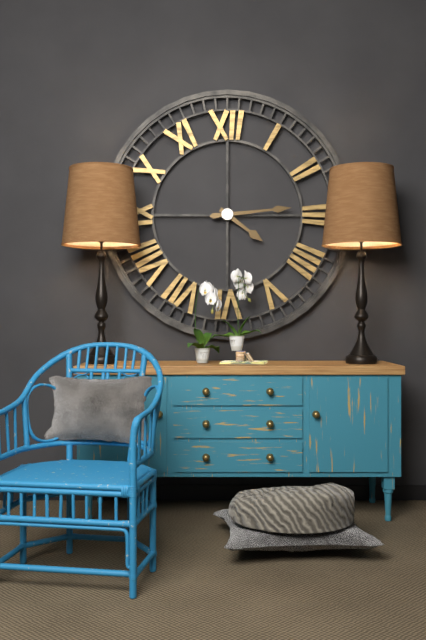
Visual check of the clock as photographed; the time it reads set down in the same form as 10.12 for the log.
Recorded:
4.14
